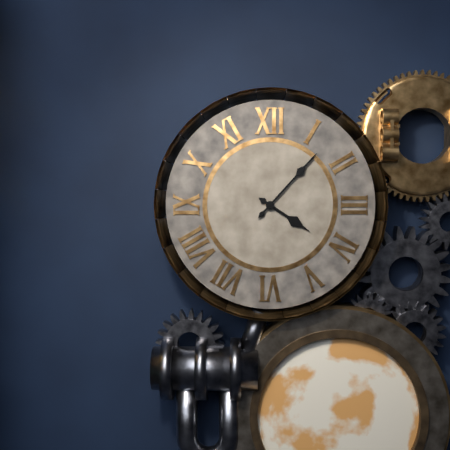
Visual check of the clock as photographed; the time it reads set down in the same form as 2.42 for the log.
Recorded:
4.07
